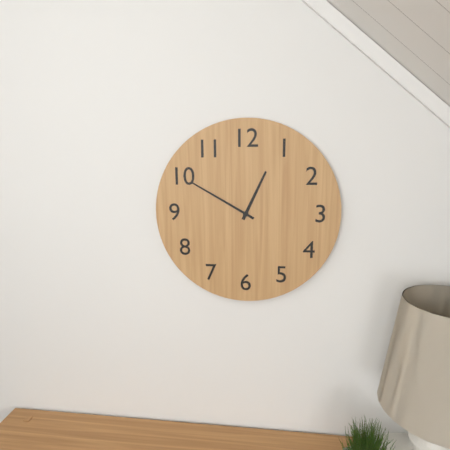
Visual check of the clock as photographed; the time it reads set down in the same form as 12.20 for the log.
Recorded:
12.50
